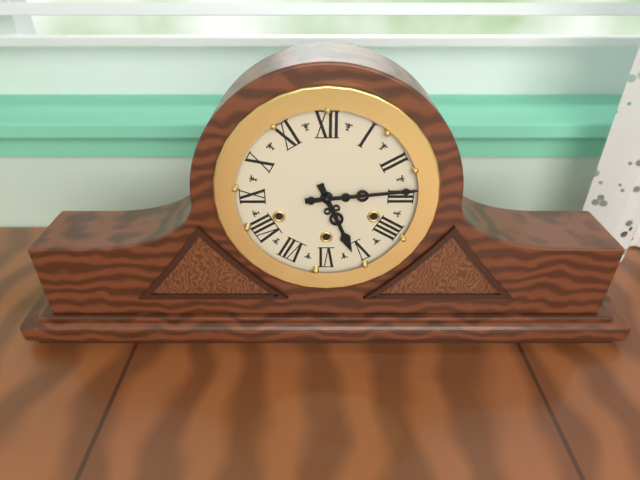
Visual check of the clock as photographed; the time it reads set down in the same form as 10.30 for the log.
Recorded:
5.14
